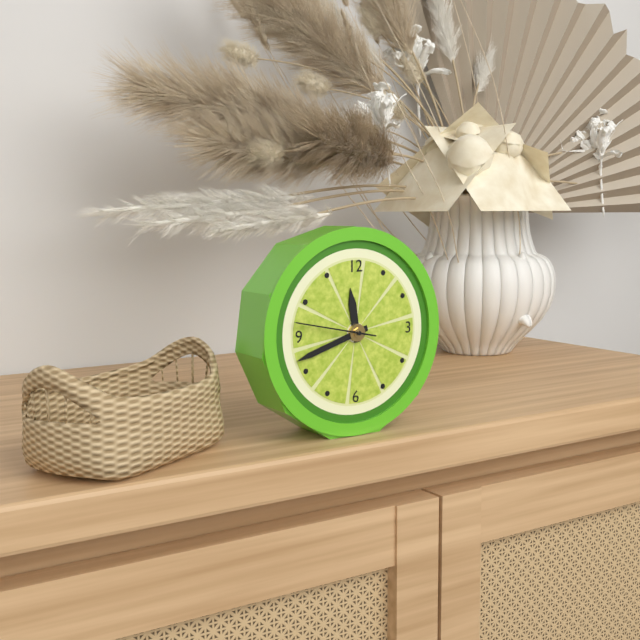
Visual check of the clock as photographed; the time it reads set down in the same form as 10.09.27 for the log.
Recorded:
11.42.47
